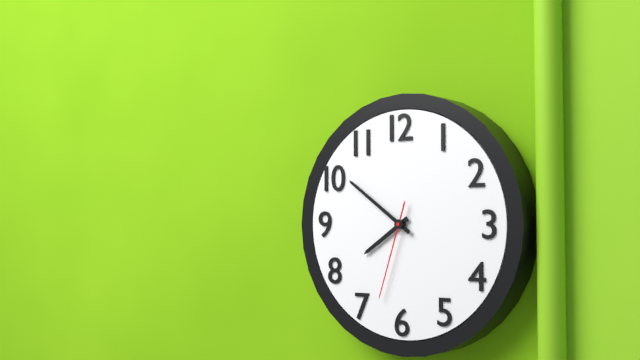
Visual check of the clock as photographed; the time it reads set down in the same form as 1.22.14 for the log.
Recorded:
7.51.33
